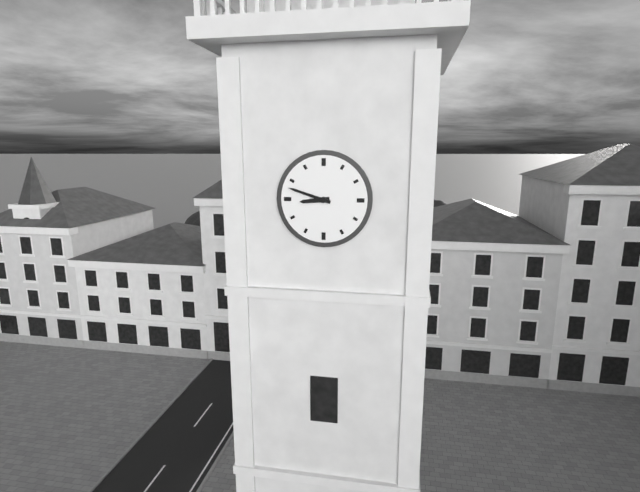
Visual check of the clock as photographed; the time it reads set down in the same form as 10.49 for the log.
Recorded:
8.48
